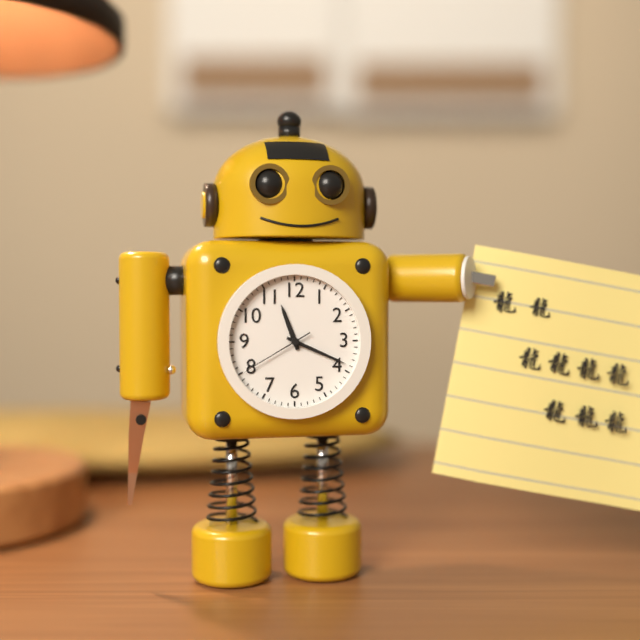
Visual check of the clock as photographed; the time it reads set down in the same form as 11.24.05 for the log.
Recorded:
11.19.40
